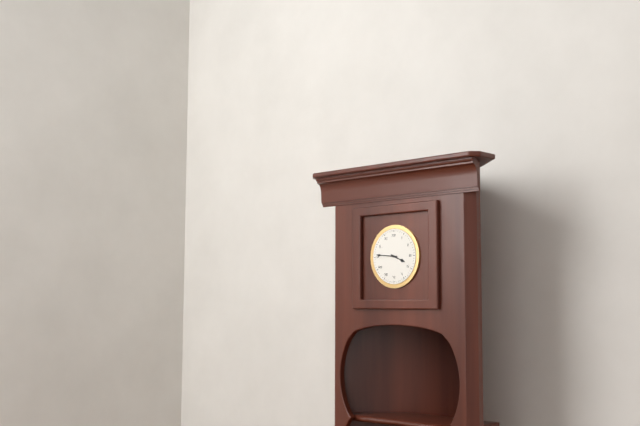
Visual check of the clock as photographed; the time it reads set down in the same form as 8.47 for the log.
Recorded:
3.46
